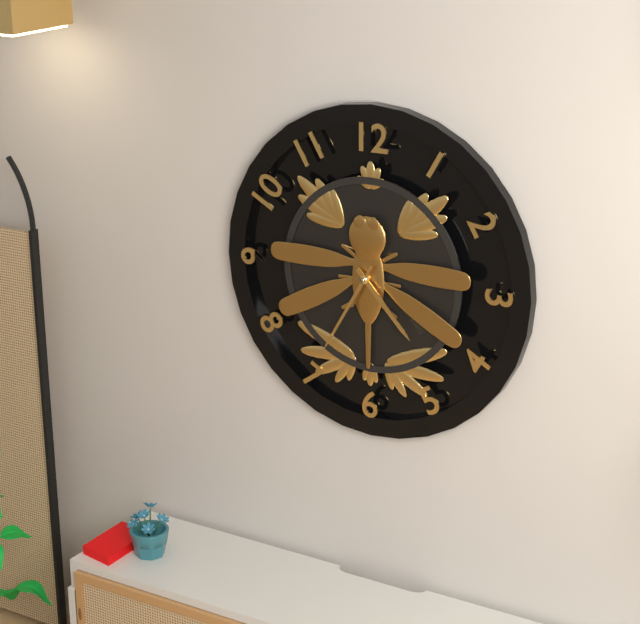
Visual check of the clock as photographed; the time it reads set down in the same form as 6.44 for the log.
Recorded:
4.35
